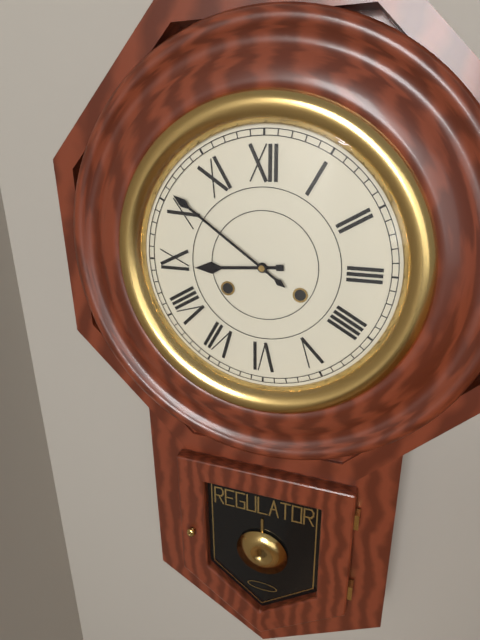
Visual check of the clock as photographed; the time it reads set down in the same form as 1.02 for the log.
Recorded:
8.51
